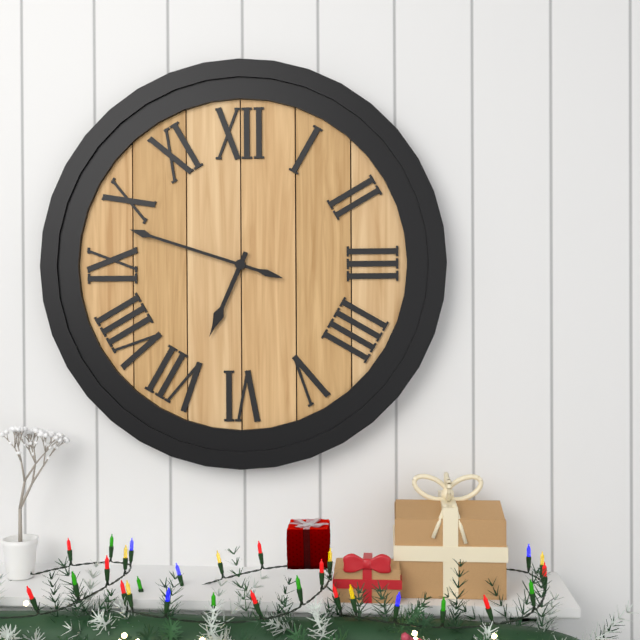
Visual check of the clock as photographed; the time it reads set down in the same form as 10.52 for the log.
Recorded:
6.48
